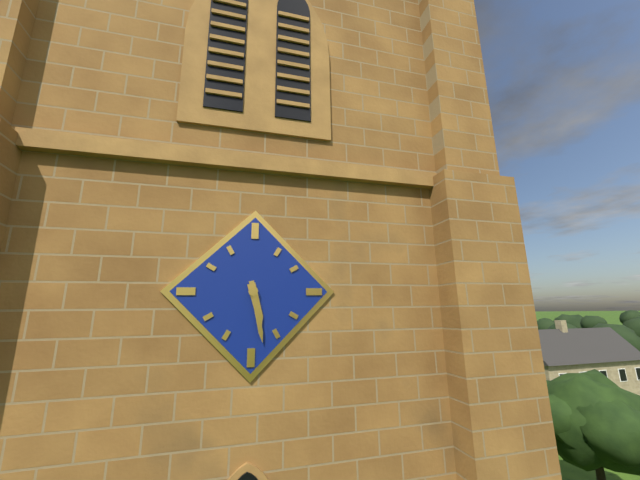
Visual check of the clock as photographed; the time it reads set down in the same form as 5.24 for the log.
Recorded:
5.28
